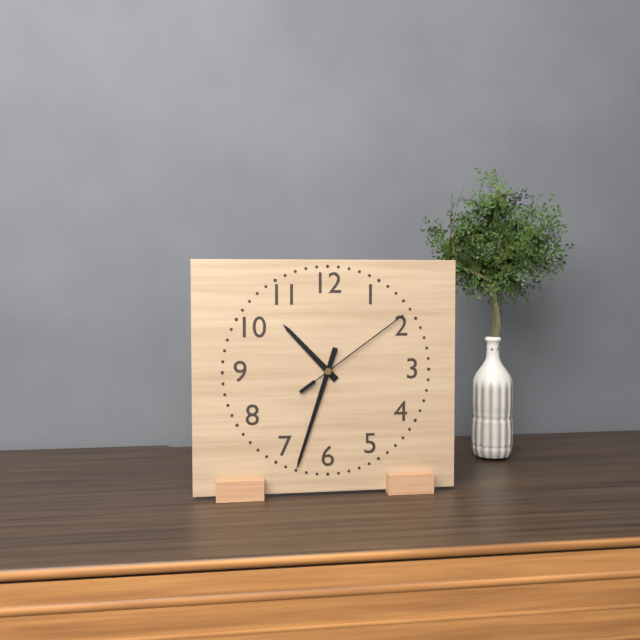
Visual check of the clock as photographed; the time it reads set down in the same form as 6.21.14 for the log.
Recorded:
10.33.09
